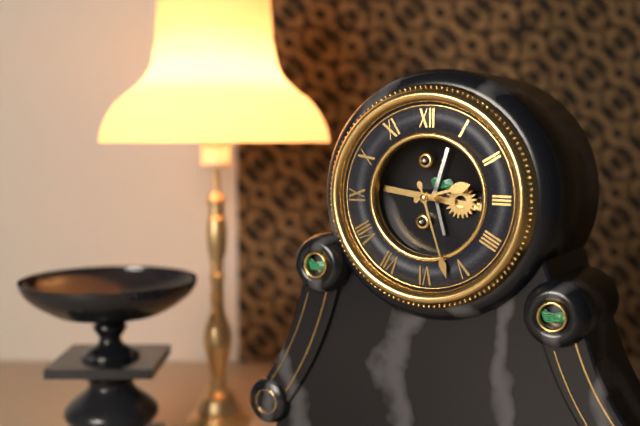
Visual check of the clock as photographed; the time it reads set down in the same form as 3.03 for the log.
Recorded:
2.27
